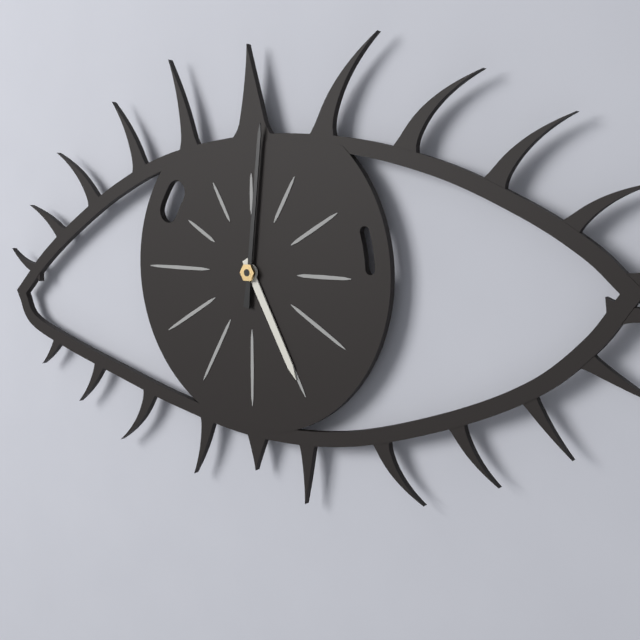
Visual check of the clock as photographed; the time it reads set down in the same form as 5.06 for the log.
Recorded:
5.01
